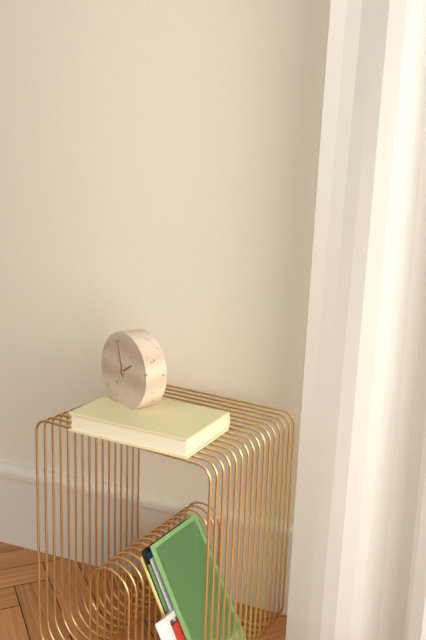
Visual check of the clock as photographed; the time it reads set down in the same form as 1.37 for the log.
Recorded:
1.57
